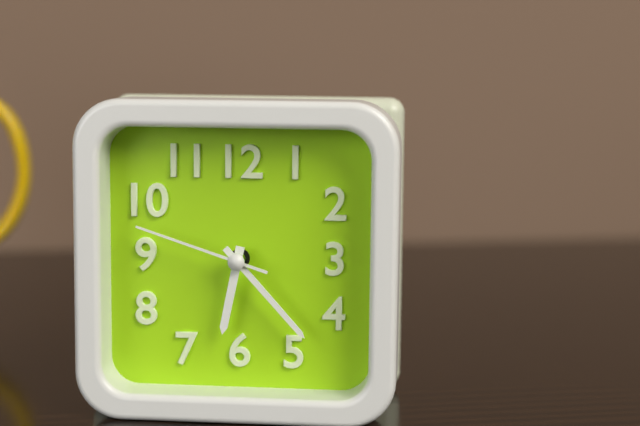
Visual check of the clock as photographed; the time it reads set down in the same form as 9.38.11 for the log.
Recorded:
6.23.48
